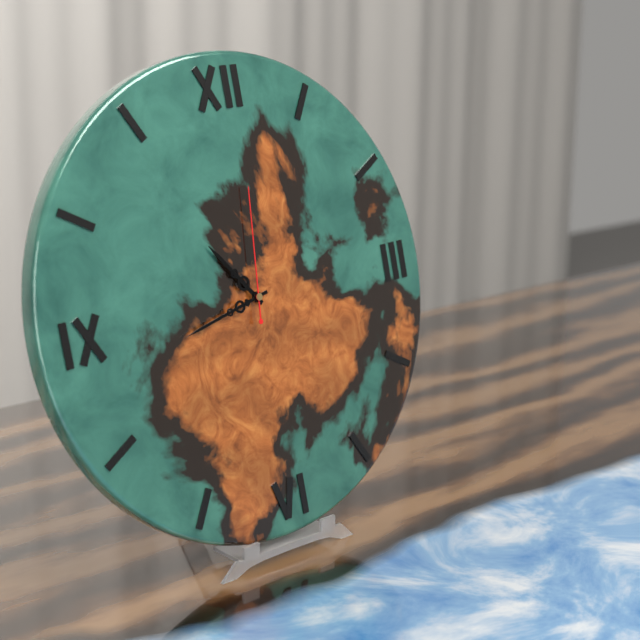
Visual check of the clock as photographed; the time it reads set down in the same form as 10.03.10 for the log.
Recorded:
10.43.01
